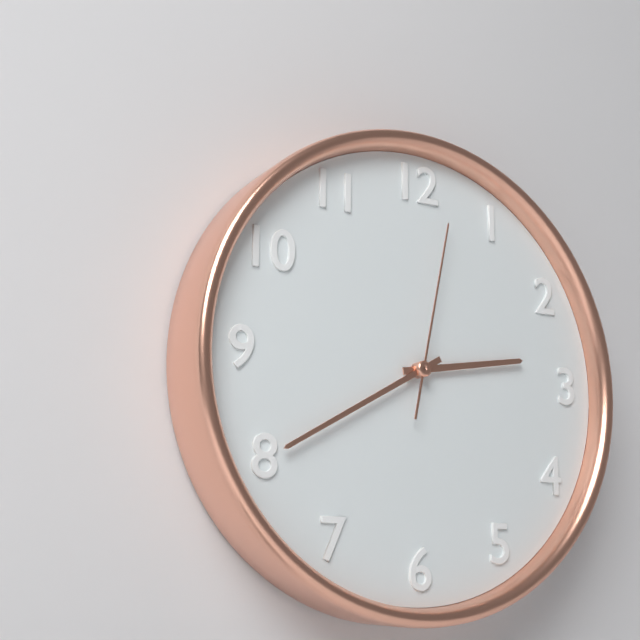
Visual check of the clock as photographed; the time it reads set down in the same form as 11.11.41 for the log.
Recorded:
2.40.02
